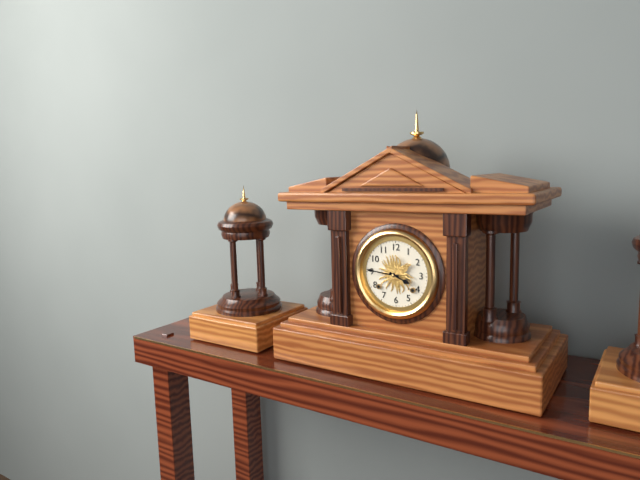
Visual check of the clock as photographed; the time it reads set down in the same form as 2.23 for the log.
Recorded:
3.46
